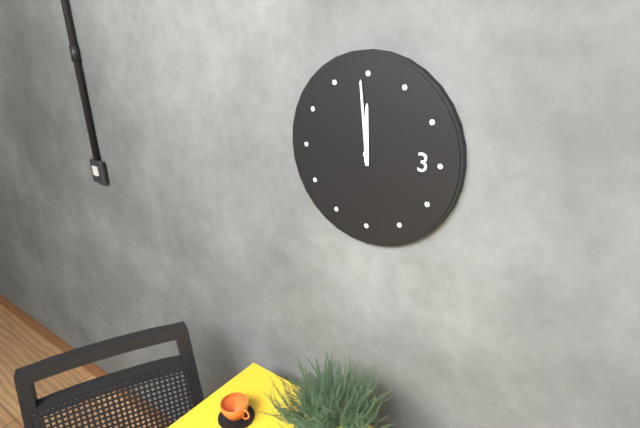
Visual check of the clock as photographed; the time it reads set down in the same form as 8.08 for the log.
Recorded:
11.59
